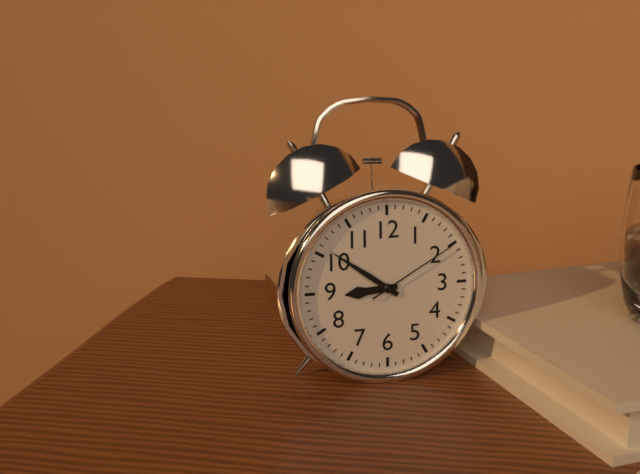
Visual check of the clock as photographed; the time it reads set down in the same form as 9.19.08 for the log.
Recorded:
8.51.10
